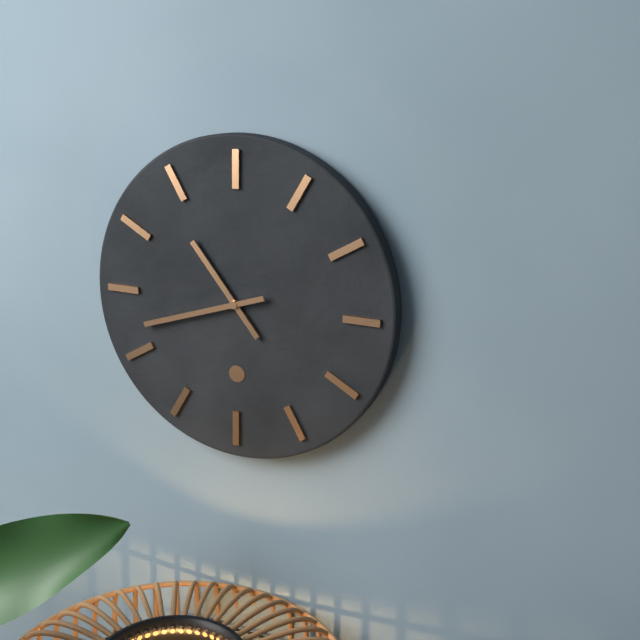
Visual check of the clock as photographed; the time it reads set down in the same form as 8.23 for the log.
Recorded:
10.42
